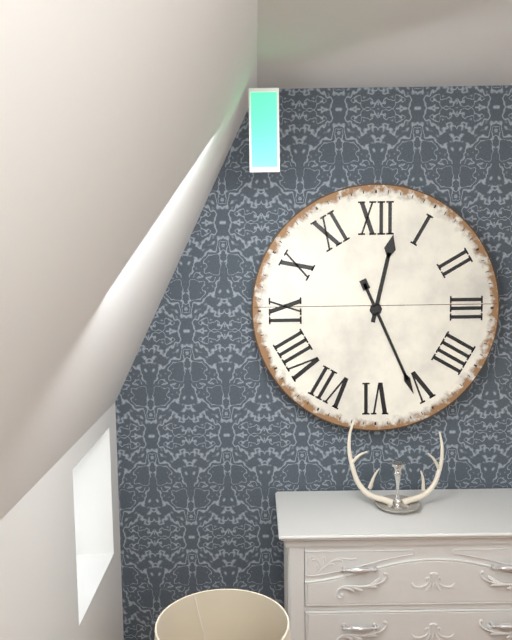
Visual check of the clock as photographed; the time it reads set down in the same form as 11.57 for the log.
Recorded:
12.26
